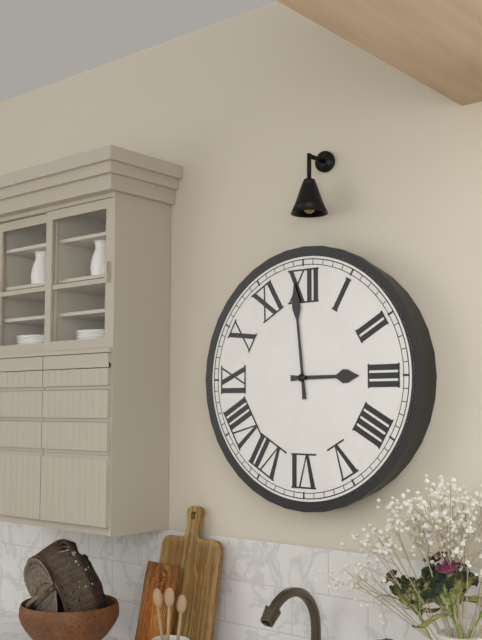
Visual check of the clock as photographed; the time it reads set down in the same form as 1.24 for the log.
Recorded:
2.59
